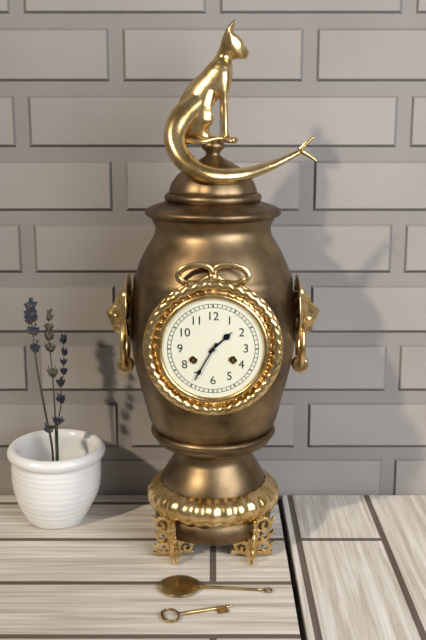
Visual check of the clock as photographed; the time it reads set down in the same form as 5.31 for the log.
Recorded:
1.35
